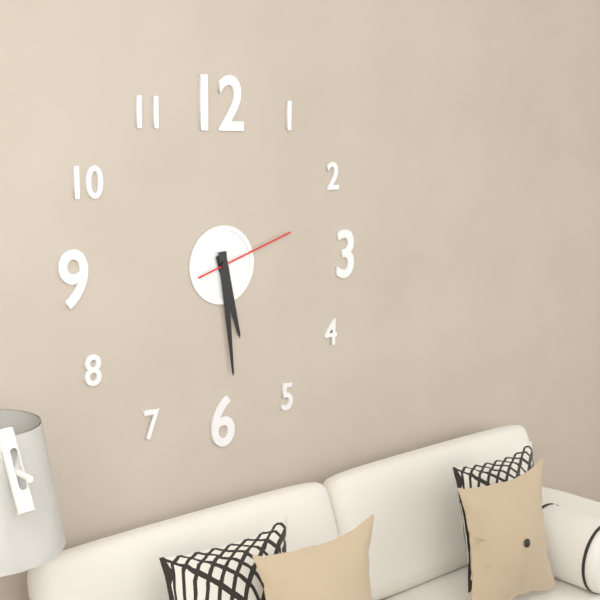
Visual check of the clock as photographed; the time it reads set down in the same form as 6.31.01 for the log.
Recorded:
5.29.12
